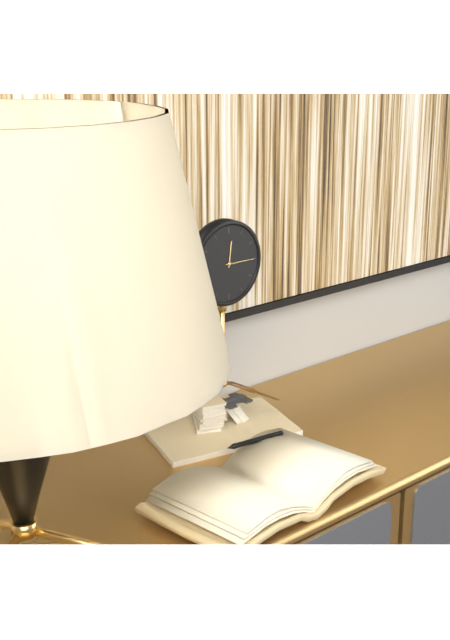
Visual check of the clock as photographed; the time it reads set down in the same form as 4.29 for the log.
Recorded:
12.15
